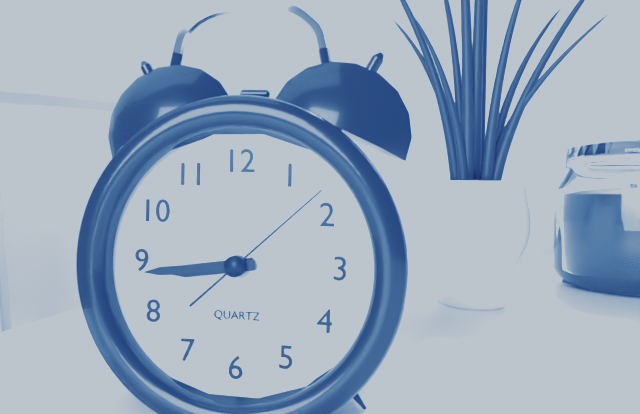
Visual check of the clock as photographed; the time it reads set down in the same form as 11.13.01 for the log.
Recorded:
8.44.08
